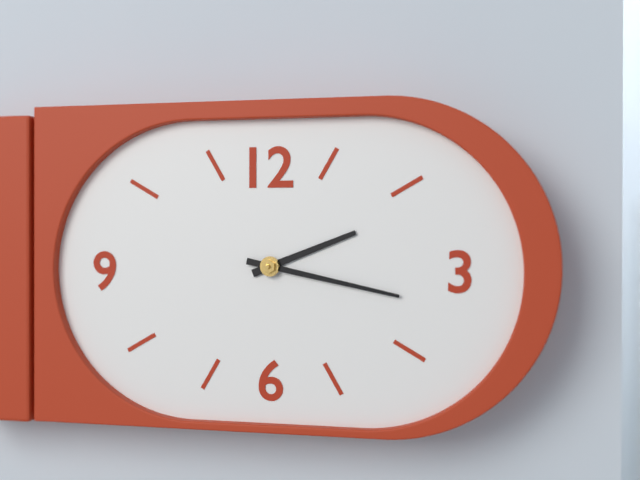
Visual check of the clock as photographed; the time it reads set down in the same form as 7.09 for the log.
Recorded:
2.17
